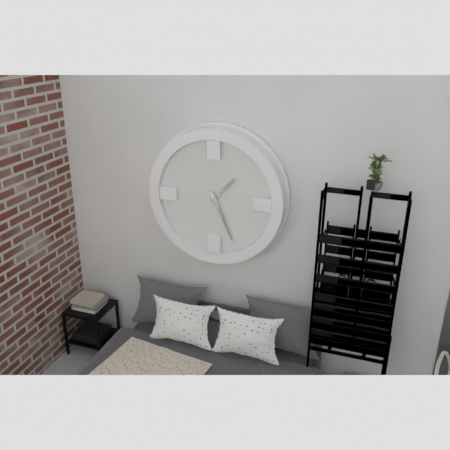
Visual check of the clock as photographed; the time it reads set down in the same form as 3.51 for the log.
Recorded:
1.26
